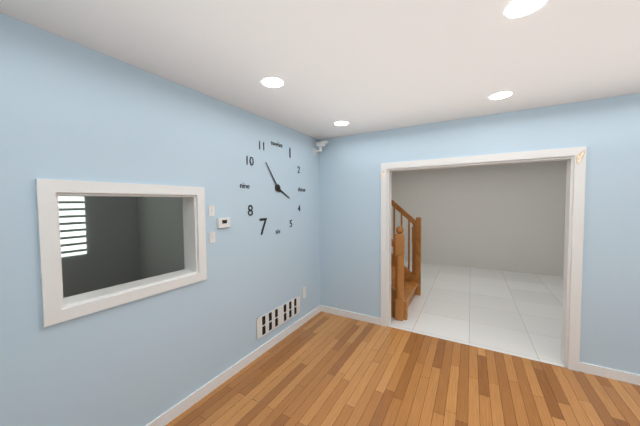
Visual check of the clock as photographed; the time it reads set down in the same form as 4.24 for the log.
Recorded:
3.54
